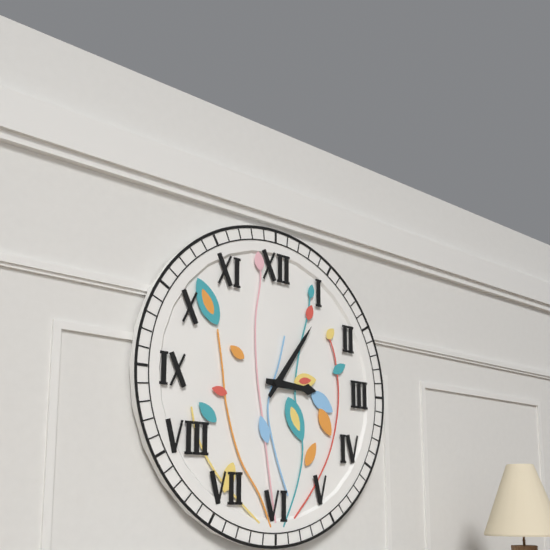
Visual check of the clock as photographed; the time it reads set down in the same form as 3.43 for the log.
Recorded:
3.06
